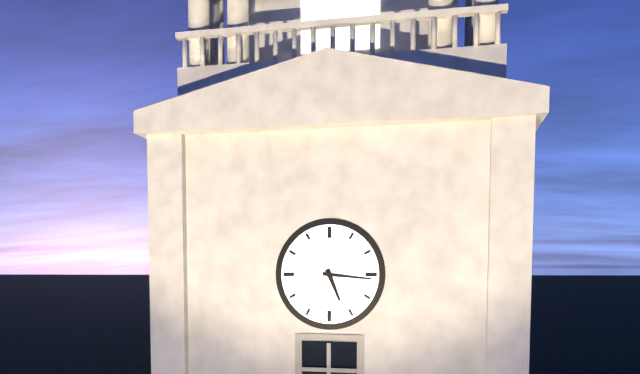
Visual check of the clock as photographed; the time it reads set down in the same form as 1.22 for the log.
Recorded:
5.16
